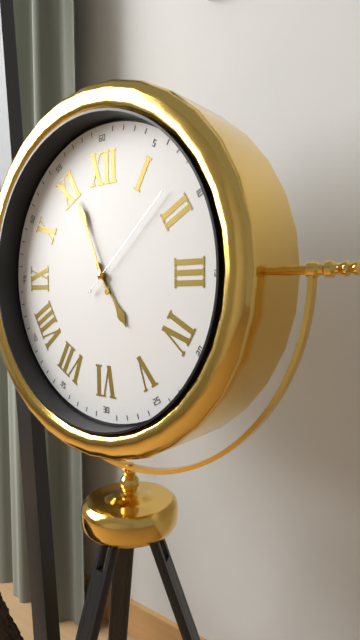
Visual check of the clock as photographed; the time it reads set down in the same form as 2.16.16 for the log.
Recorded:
4.56.08
